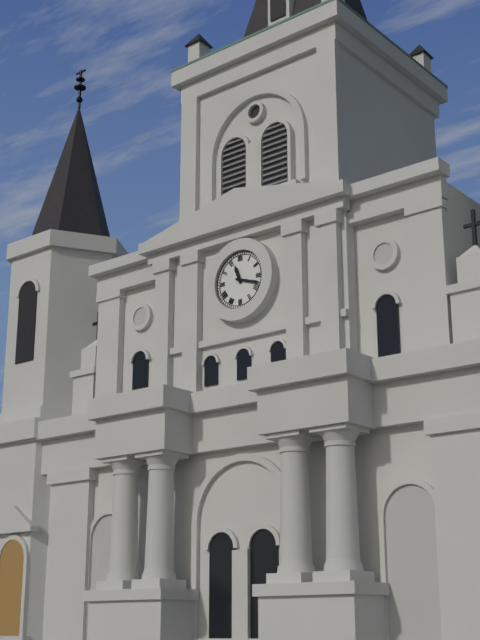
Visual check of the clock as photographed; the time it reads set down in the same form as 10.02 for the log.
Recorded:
11.18
